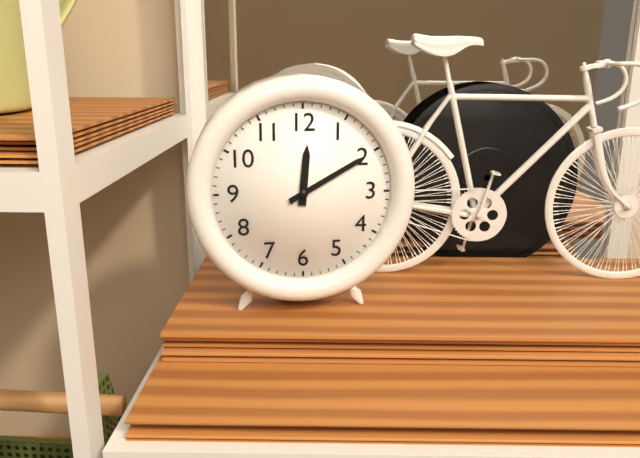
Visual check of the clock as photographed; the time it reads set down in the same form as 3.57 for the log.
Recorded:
12.10
